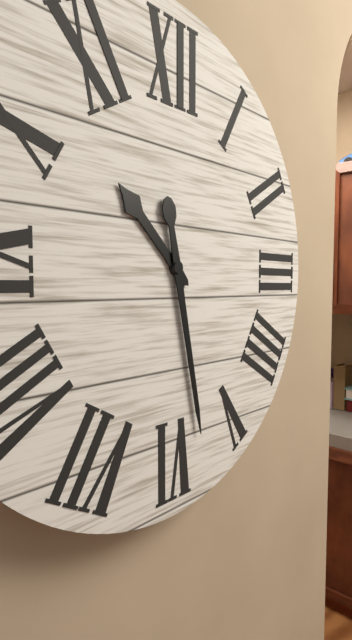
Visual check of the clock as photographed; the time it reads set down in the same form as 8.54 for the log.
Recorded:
10.28
